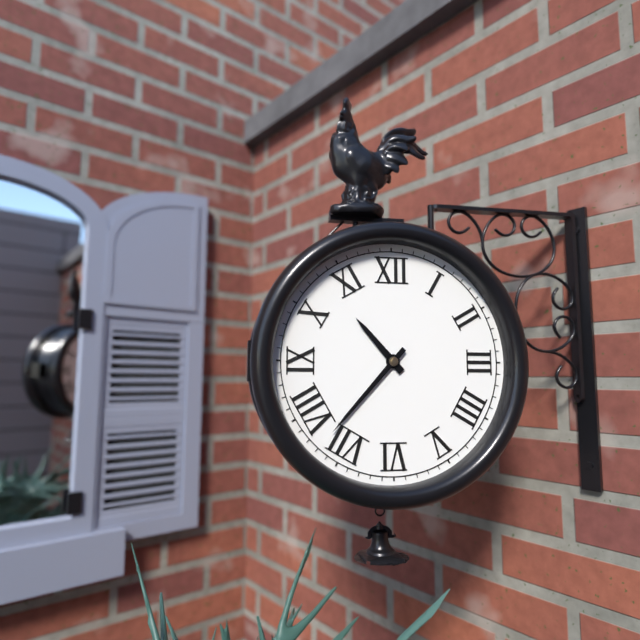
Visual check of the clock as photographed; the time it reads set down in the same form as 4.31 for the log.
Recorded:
10.37
